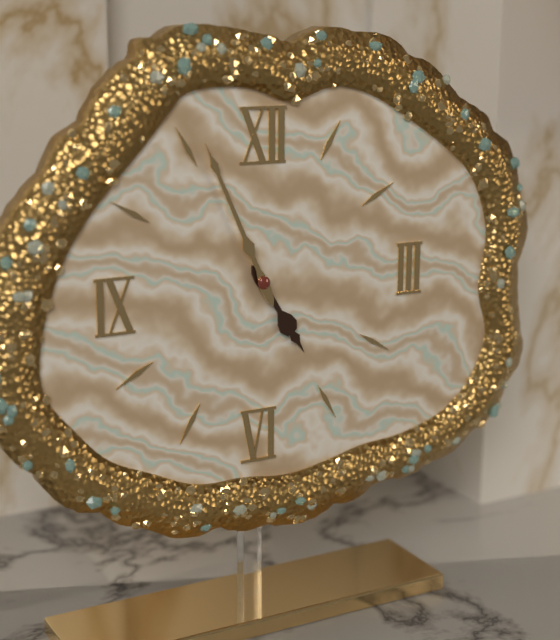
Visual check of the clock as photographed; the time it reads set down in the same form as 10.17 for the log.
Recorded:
4.56
